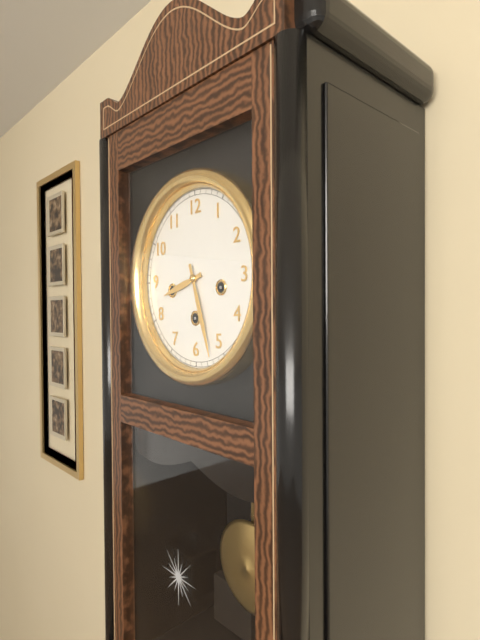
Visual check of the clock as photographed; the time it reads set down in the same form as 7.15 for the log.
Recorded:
8.27
